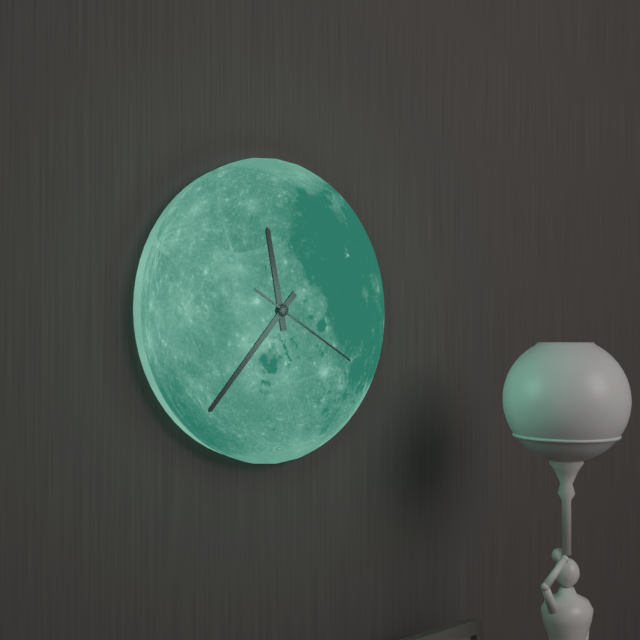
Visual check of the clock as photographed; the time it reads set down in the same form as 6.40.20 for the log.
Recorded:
11.37.20
